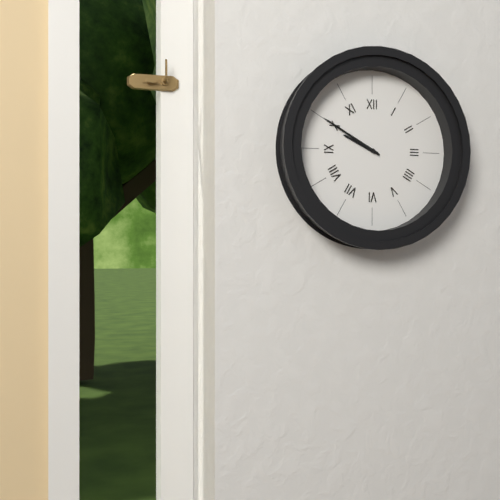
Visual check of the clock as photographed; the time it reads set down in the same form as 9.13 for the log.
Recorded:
9.50
